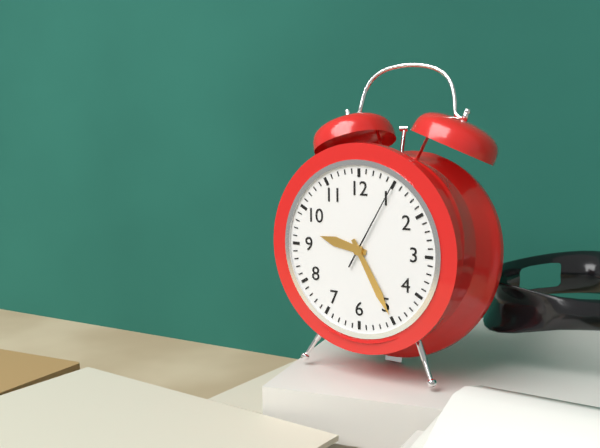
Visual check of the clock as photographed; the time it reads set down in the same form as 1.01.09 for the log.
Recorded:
9.25.05
